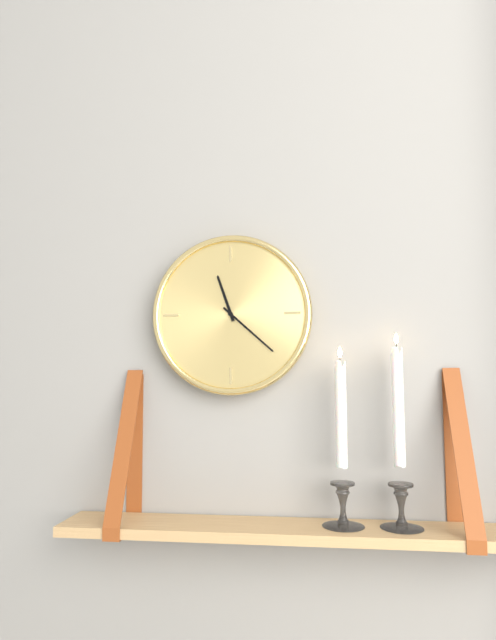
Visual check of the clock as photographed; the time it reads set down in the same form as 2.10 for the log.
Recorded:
11.22
